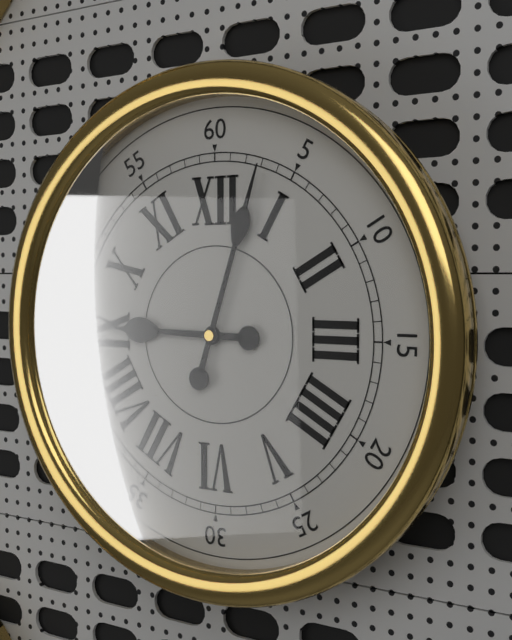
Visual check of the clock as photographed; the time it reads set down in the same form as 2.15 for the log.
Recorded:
9.03
